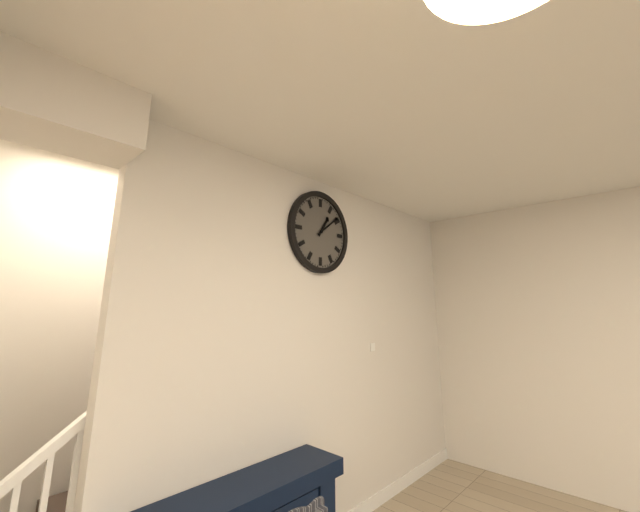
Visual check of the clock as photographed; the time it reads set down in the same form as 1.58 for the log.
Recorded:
1.09
